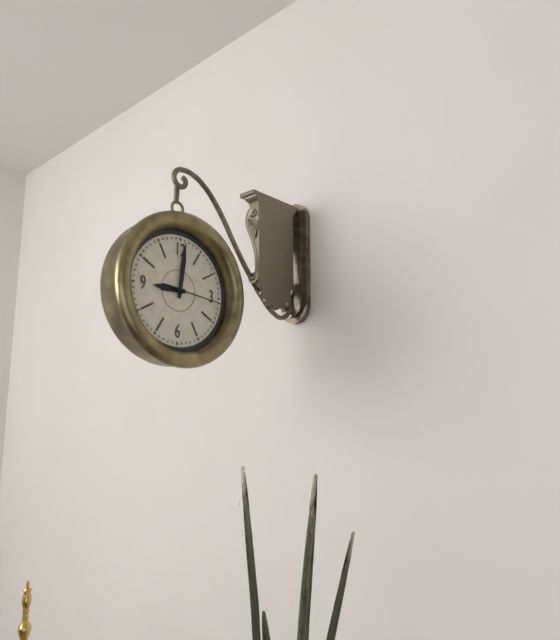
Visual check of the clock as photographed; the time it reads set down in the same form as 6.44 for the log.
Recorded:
9.01
